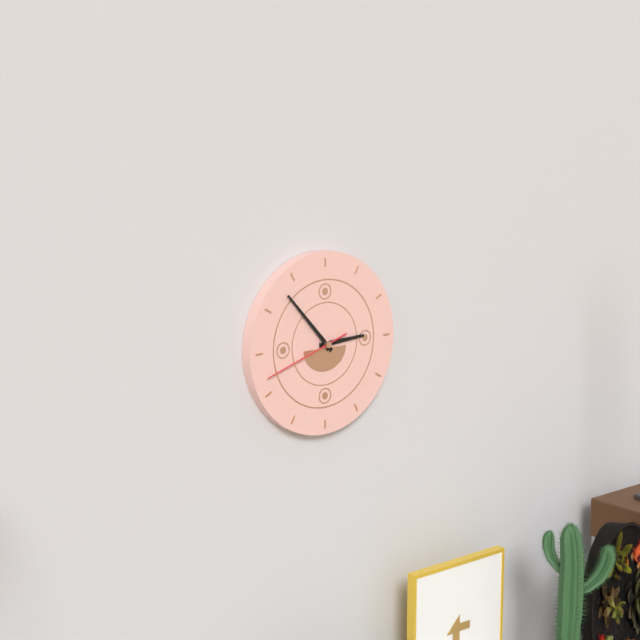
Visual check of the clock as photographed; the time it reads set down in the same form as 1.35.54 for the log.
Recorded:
2.53.42
